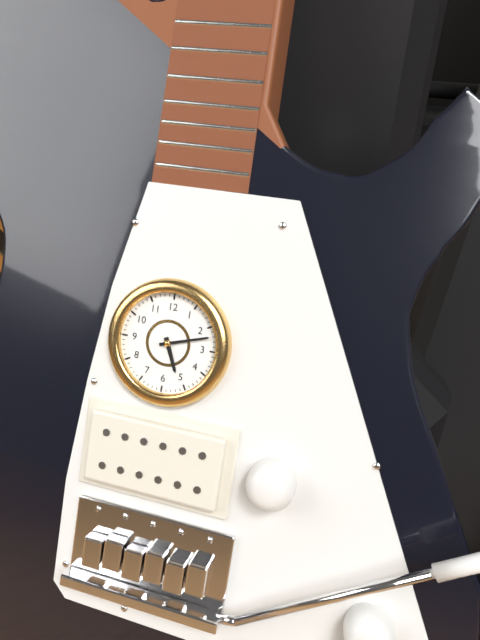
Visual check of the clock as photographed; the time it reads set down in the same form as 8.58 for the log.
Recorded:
5.12
